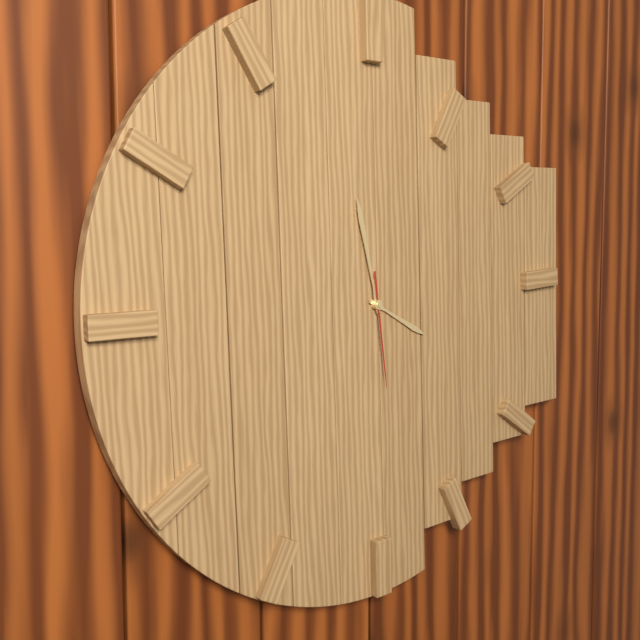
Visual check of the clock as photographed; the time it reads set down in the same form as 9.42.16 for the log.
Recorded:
3.58.29
